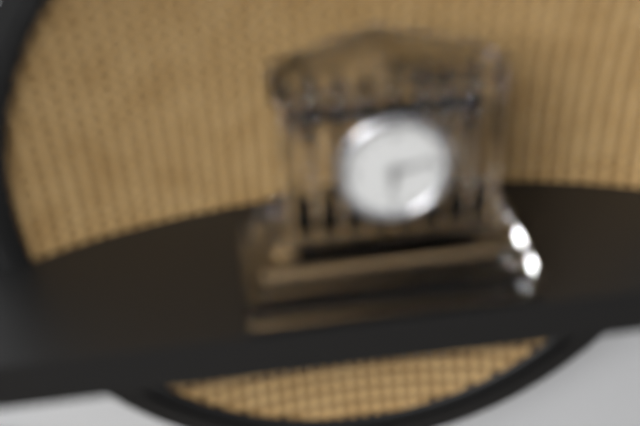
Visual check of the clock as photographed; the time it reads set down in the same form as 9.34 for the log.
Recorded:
6.13
